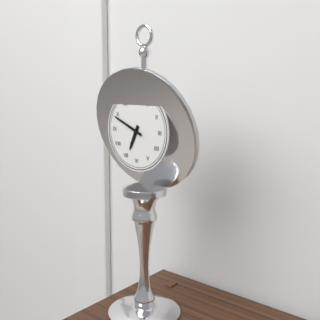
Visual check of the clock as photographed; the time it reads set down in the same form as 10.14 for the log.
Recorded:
6.49
